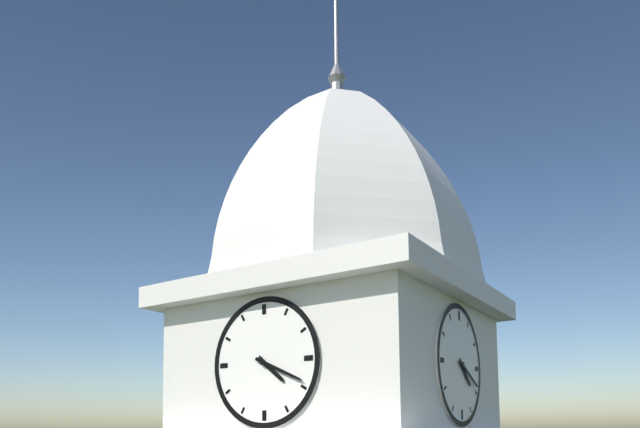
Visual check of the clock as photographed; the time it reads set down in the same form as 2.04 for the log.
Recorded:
4.19
